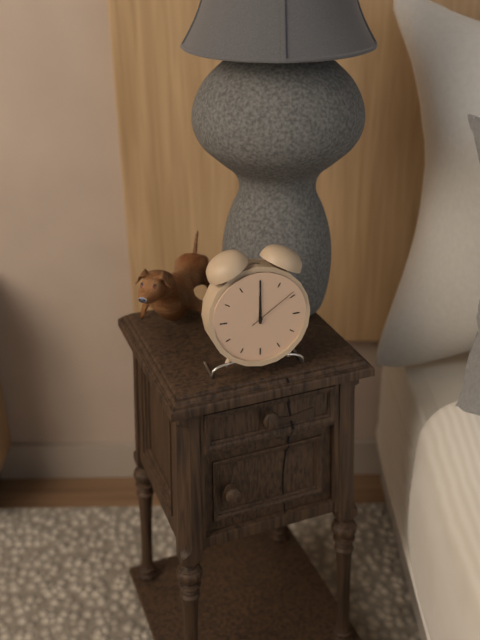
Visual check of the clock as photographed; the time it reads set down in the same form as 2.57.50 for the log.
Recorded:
12.00.09
